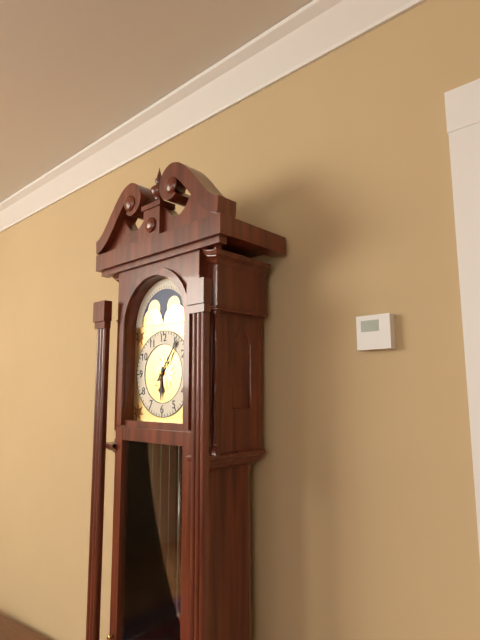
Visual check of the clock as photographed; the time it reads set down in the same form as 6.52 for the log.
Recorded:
6.06
